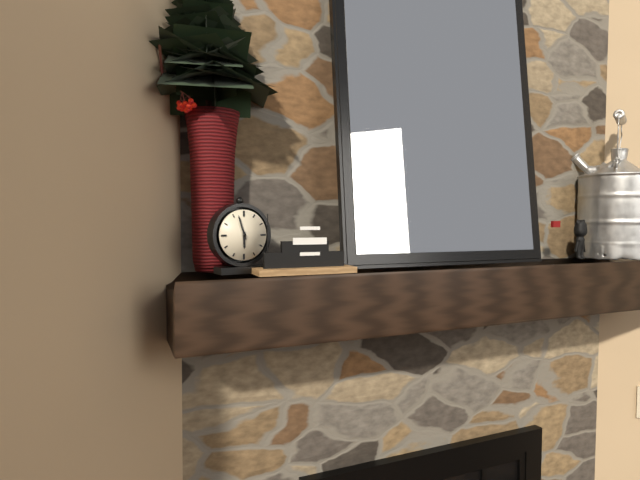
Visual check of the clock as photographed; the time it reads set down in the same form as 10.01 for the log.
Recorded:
5.57
